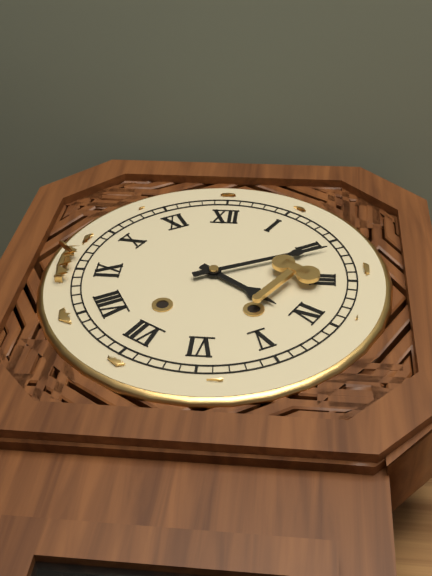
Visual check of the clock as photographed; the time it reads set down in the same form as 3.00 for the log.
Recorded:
4.11
